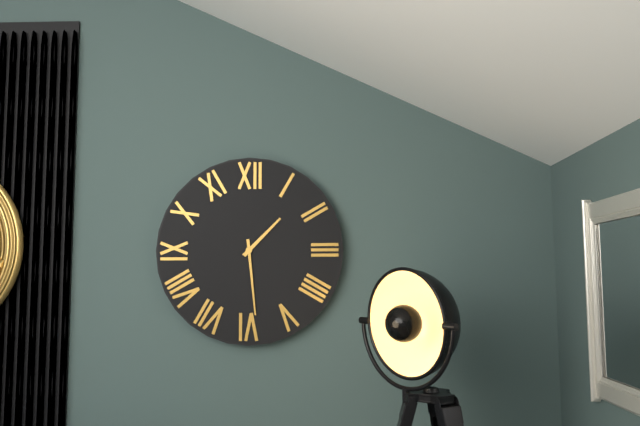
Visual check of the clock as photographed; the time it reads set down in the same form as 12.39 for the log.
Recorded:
1.29
